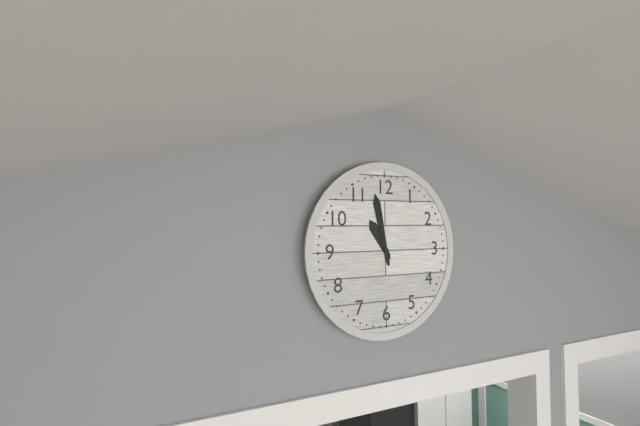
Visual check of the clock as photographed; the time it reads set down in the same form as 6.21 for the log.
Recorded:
10.58
